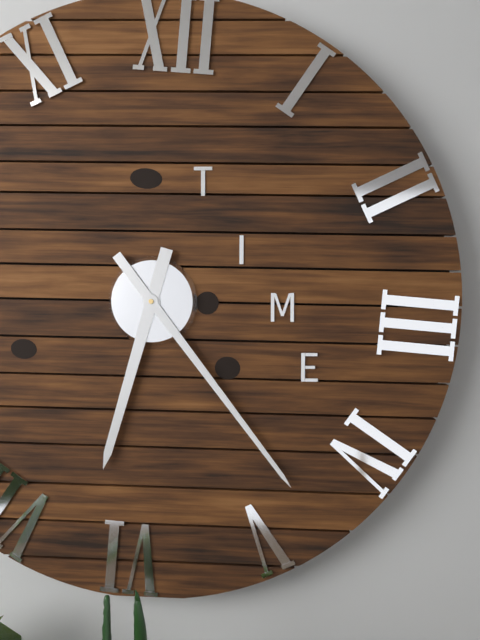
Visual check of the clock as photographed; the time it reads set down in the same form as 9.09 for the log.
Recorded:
6.23
